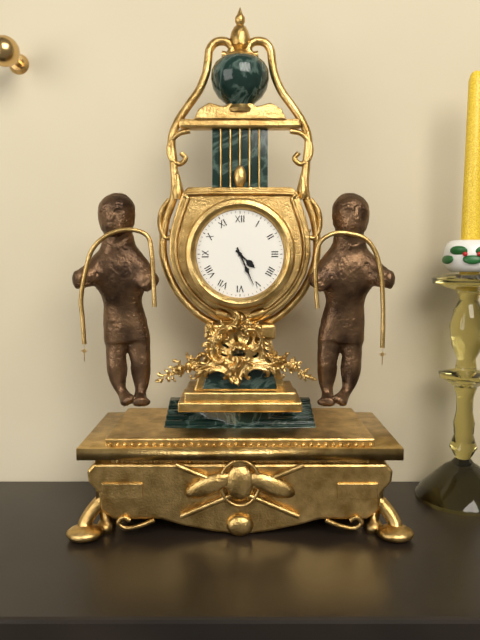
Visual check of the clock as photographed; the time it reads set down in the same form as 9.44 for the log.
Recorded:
4.26
